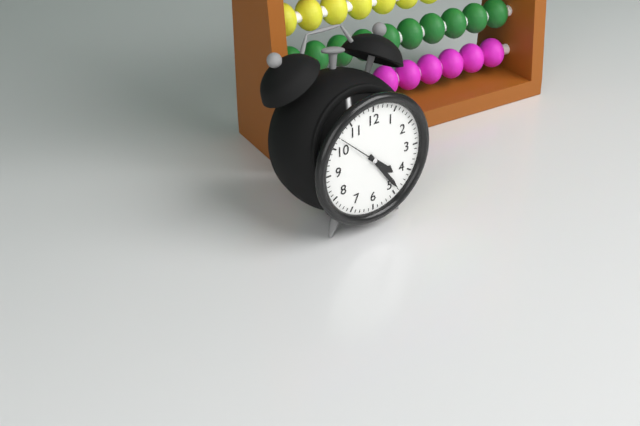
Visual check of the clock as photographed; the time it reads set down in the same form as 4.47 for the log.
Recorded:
4.24
